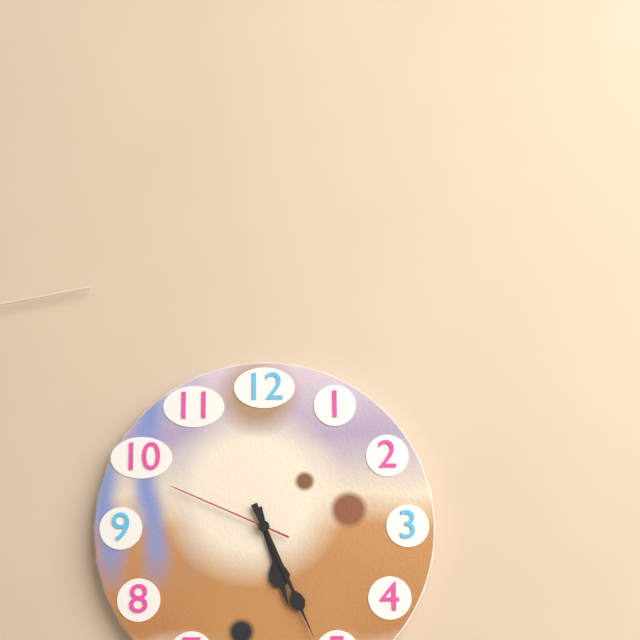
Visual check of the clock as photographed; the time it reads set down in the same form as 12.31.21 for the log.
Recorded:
5.26.49
